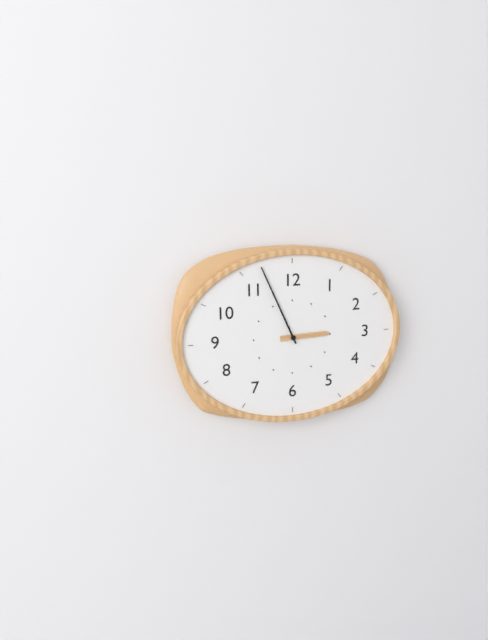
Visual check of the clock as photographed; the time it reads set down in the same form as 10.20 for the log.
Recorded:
2.56
